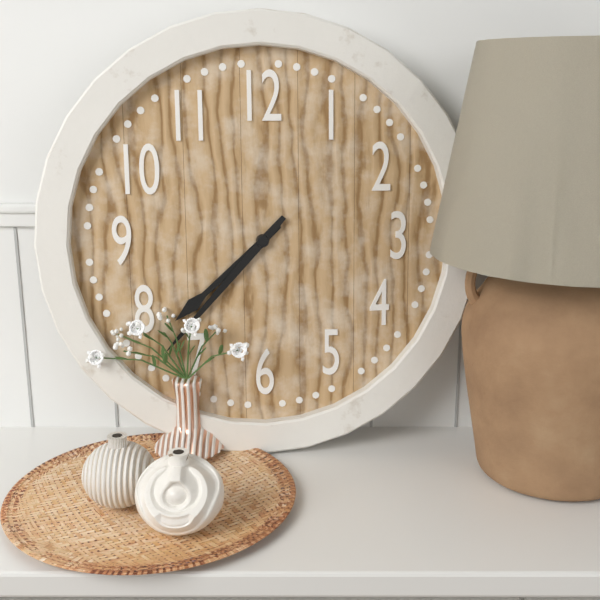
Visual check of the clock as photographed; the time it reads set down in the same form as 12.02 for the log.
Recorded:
7.37
